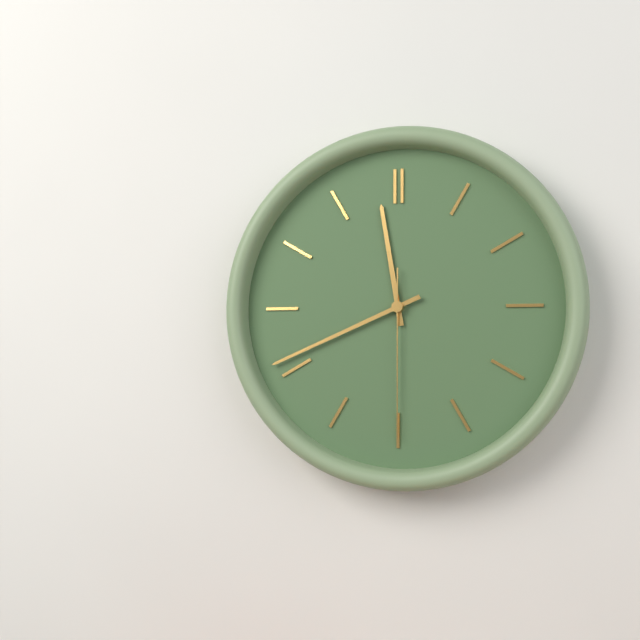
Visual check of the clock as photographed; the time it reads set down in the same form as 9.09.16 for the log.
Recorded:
11.41.30
